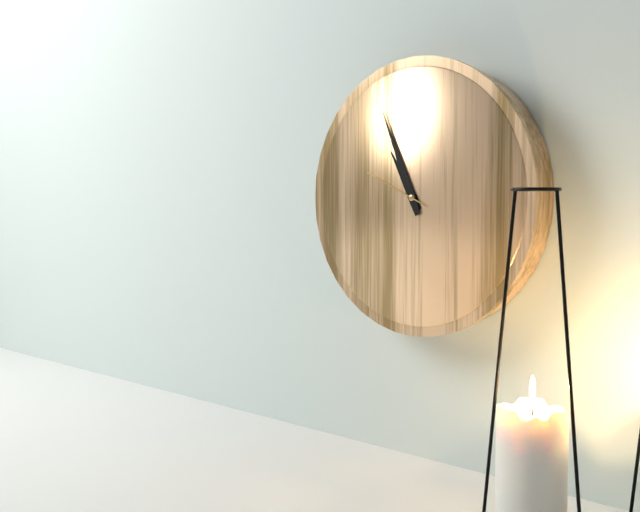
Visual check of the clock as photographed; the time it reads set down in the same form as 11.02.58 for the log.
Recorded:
10.56.49
